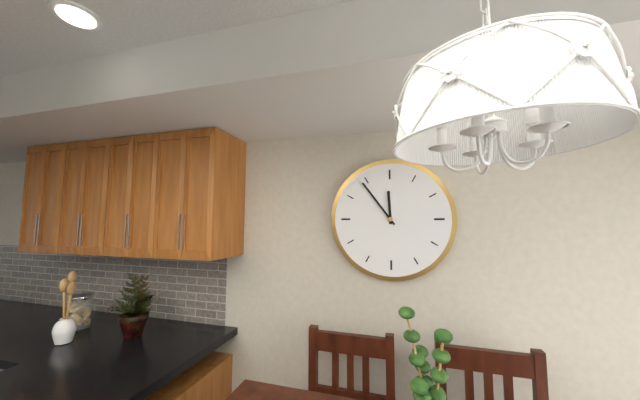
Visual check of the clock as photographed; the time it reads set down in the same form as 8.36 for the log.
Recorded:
11.54
